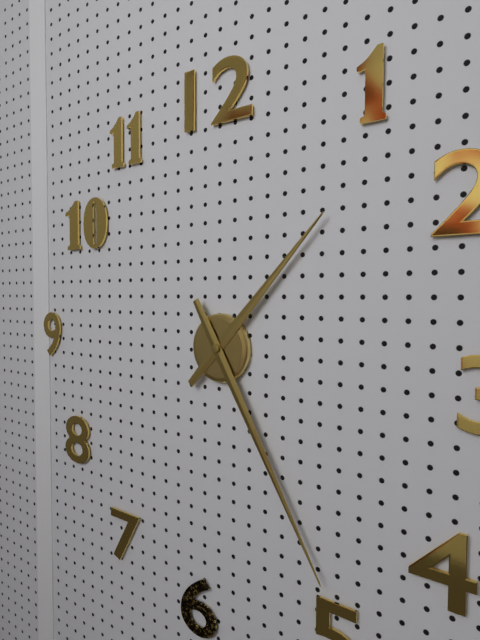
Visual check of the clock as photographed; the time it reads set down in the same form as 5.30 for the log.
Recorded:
1.25
